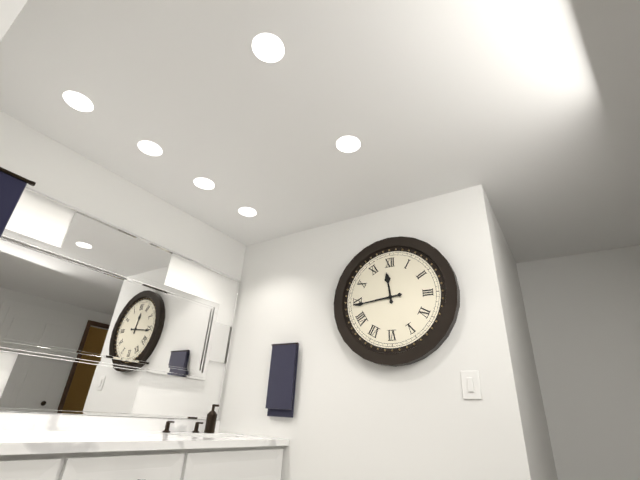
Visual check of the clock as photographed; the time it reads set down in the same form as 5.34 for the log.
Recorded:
11.44
